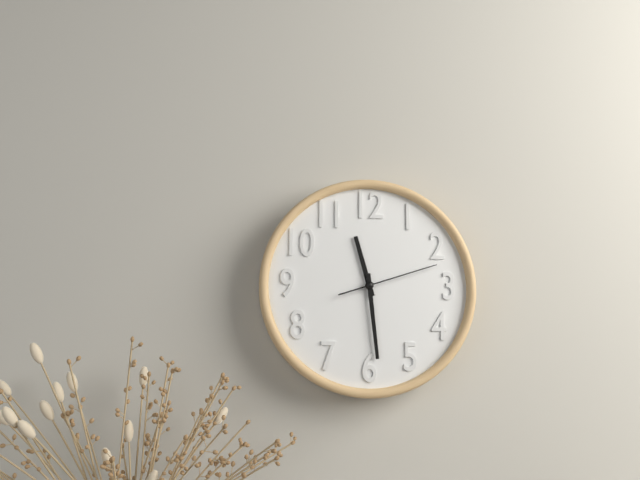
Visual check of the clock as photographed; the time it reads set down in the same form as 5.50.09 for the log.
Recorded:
11.29.12
